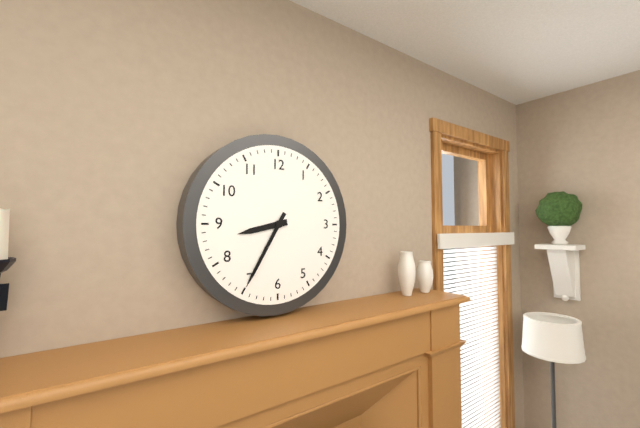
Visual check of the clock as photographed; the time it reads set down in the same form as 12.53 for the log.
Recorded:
8.35
